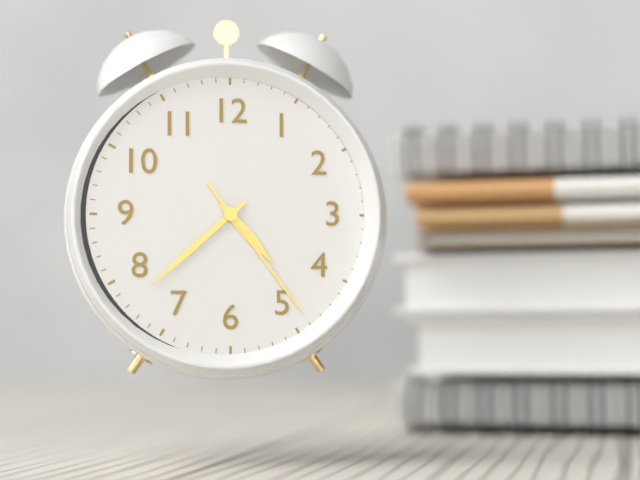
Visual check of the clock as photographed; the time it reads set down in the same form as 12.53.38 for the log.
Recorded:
4.38.24
